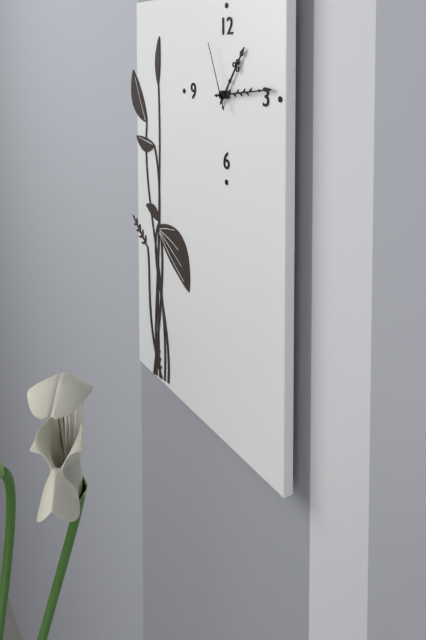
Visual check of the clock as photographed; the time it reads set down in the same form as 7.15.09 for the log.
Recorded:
1.14.56
